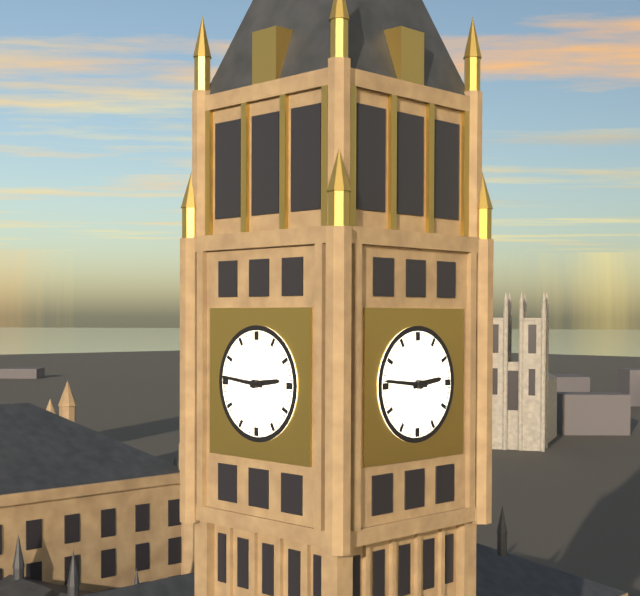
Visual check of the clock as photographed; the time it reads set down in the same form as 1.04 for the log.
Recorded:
2.46
